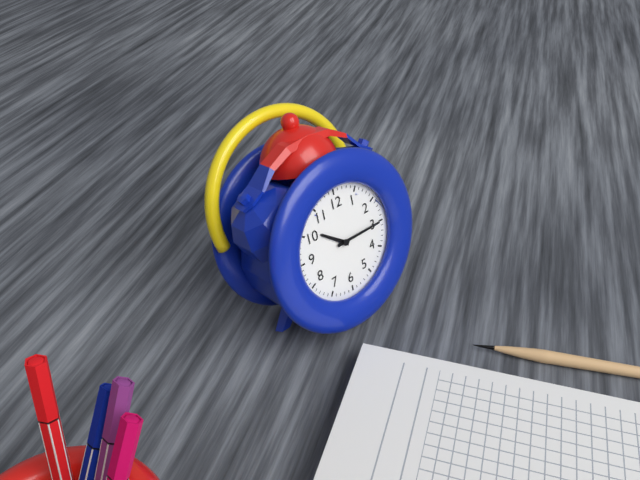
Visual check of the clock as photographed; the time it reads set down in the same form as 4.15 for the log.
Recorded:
10.15
